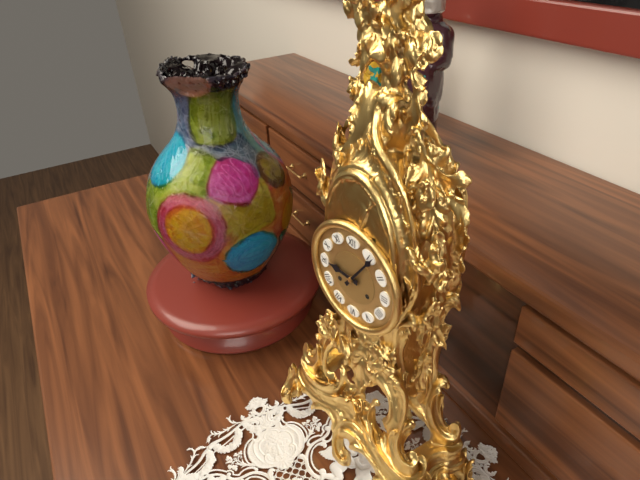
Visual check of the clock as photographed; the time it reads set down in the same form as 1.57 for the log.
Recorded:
9.06
